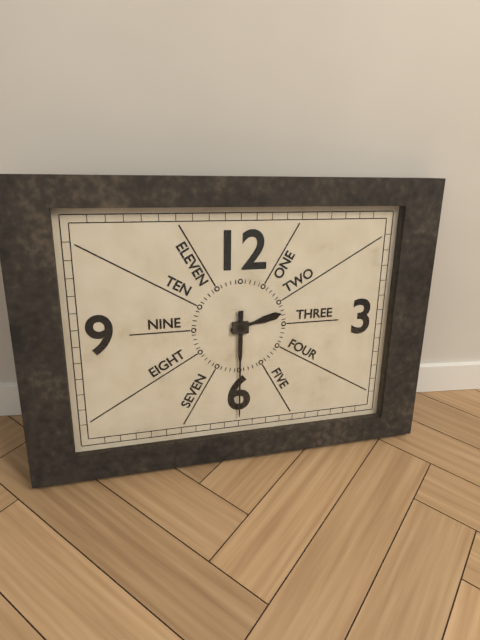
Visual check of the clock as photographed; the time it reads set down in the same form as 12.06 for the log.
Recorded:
2.30
